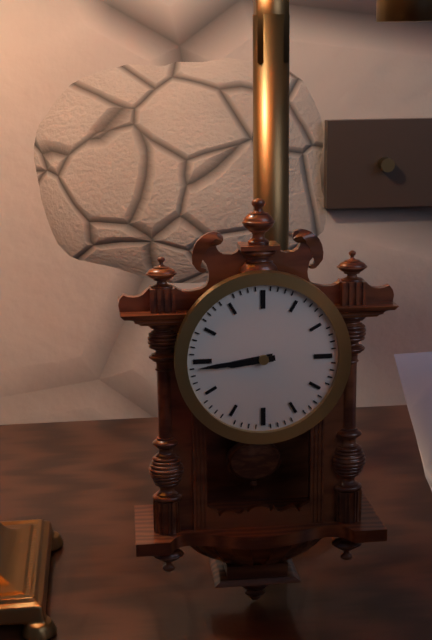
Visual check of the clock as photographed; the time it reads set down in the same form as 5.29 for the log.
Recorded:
8.44
